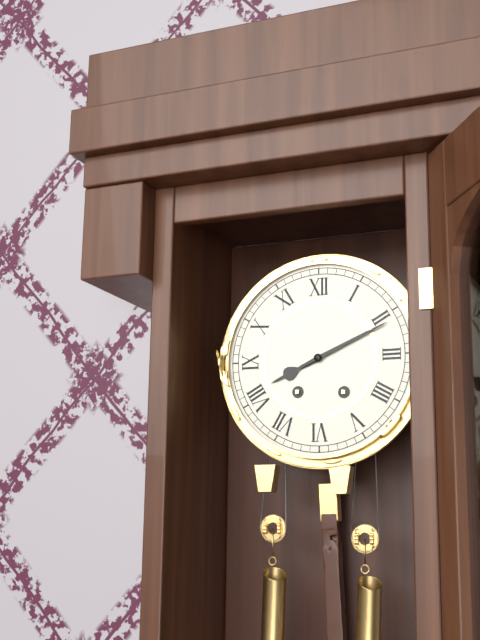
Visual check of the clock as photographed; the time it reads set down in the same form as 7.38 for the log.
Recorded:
8.11
